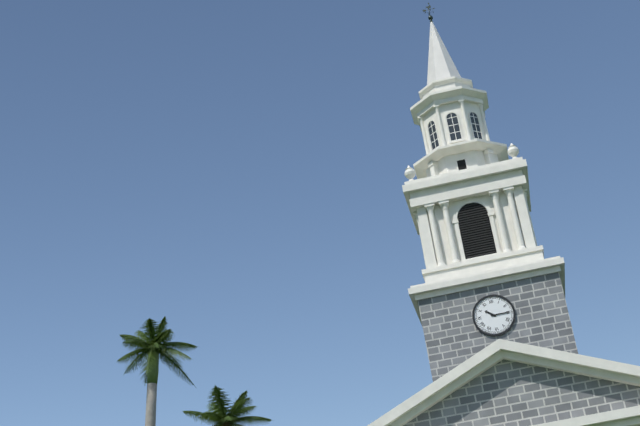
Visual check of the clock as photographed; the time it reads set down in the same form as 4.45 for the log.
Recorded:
10.15
